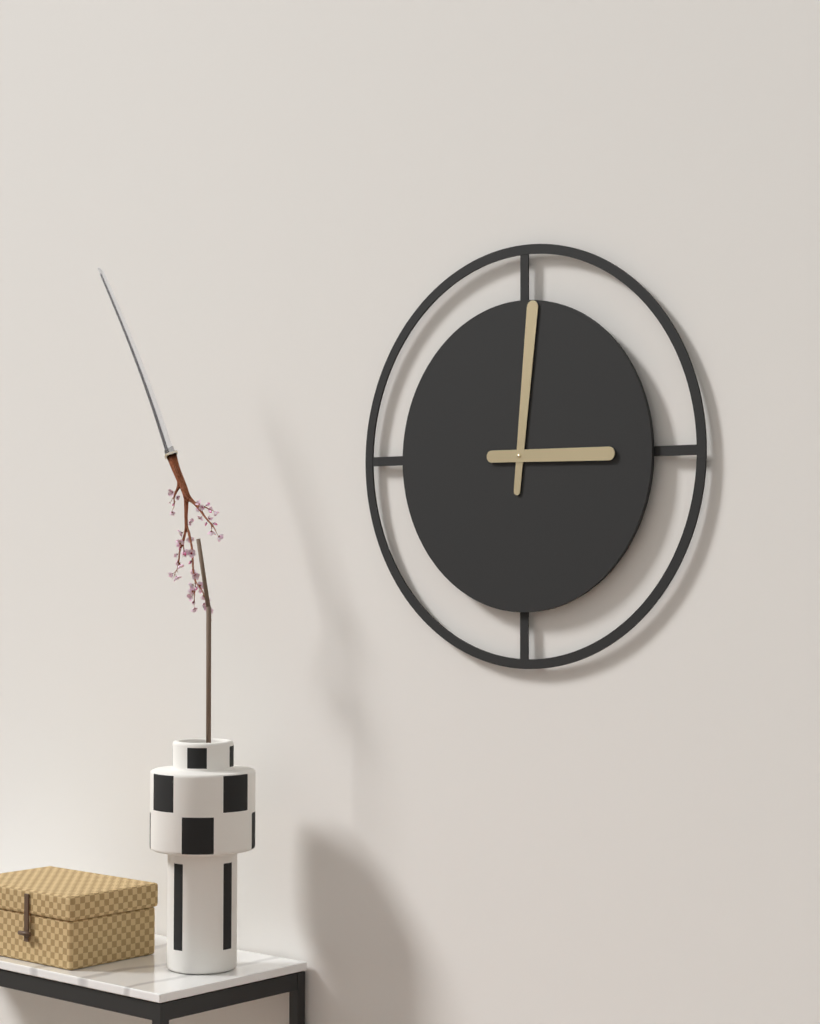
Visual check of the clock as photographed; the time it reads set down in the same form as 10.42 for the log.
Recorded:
3.01
